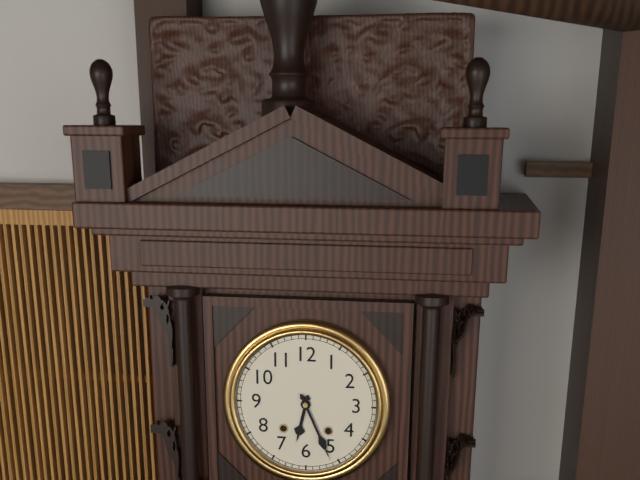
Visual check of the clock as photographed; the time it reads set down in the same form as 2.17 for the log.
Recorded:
6.26
